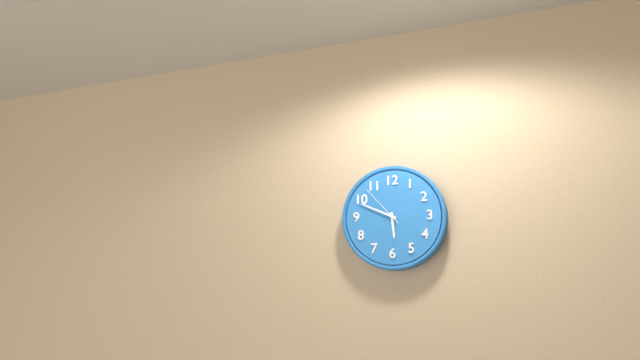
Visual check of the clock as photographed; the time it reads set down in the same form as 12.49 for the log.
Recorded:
5.49
